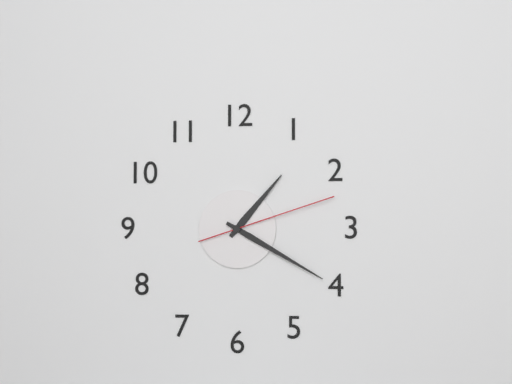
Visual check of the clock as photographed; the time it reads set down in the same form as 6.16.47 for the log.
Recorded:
1.20.12
